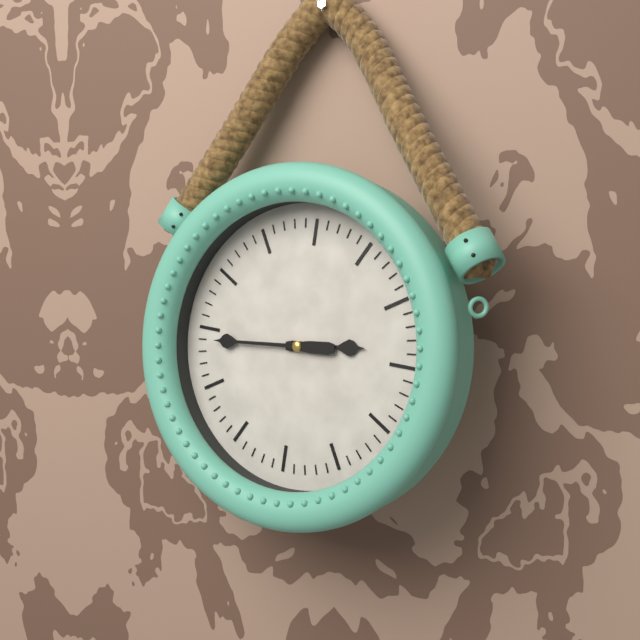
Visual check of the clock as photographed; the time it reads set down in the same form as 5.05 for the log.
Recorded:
2.44
